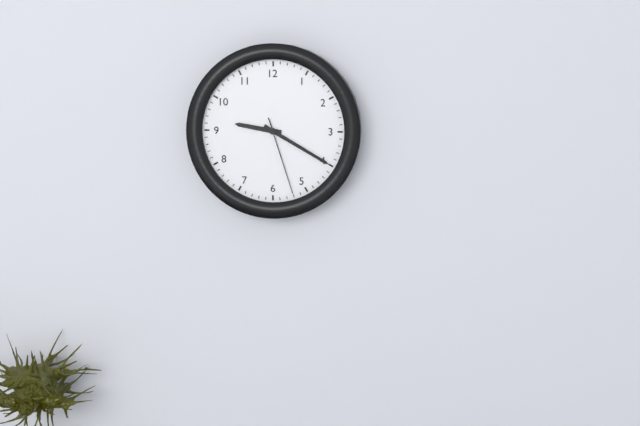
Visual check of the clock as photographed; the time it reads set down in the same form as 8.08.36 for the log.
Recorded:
9.20.27
